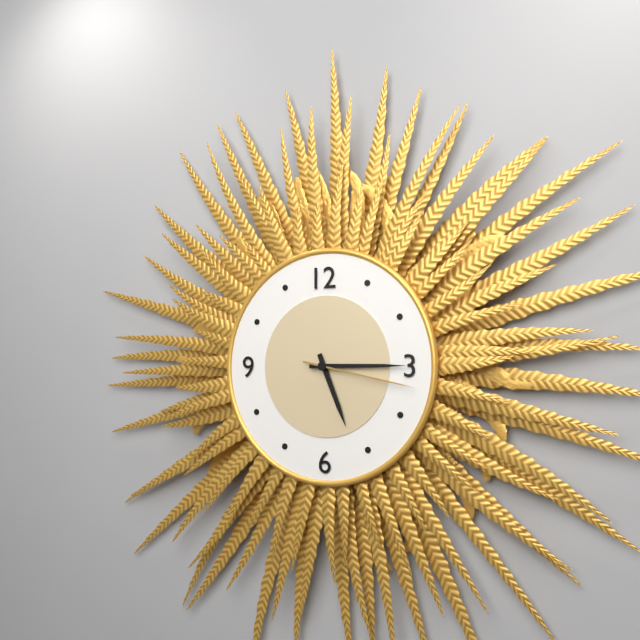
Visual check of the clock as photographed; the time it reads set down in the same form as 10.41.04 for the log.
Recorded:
5.15.17
